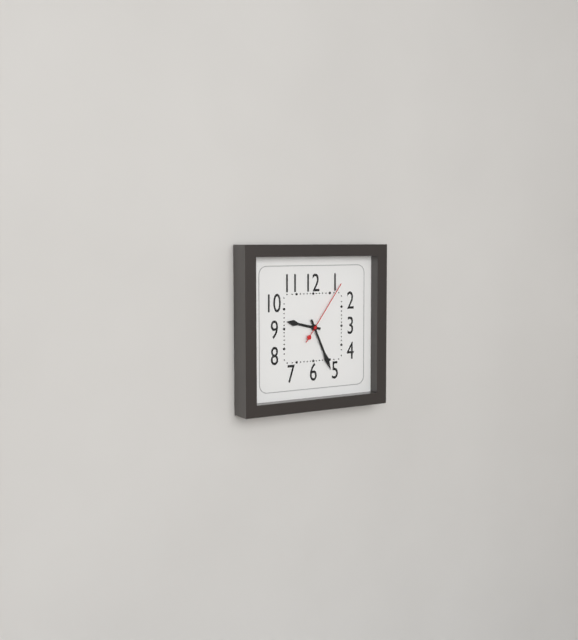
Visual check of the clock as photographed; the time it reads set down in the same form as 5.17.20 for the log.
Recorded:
9.26.06
